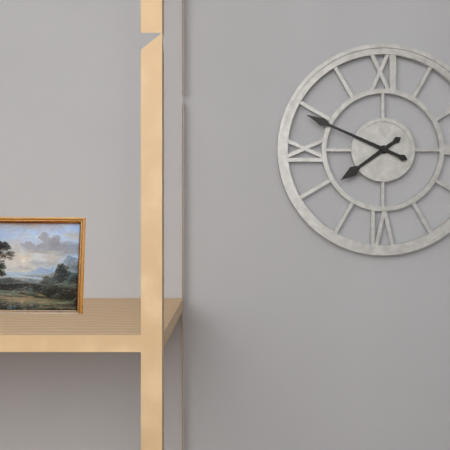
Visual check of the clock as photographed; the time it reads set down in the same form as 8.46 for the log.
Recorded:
7.49
